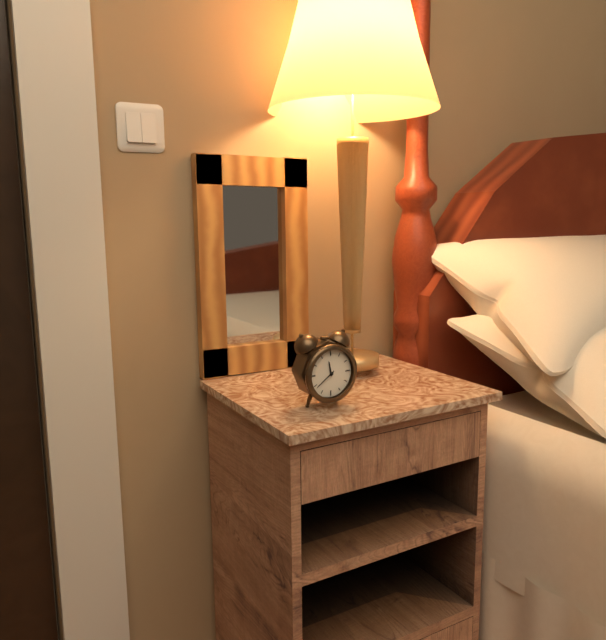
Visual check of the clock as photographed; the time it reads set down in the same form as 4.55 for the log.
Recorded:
11.39
